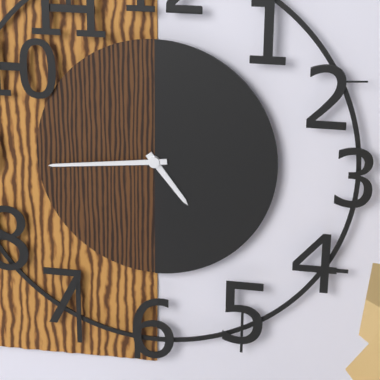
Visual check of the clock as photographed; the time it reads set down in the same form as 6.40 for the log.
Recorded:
4.44
